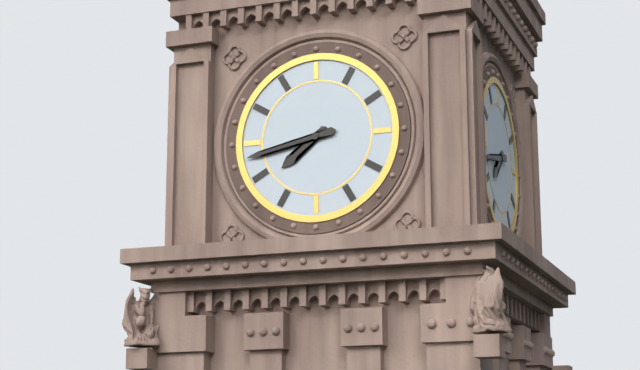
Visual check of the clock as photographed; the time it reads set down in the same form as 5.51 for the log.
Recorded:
7.43
